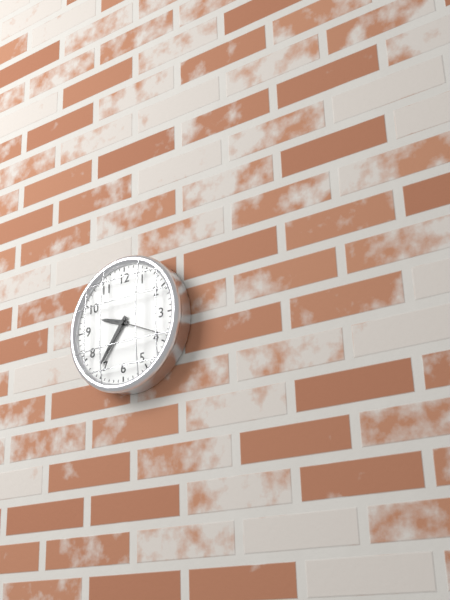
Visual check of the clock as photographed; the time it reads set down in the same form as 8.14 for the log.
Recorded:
9.36
